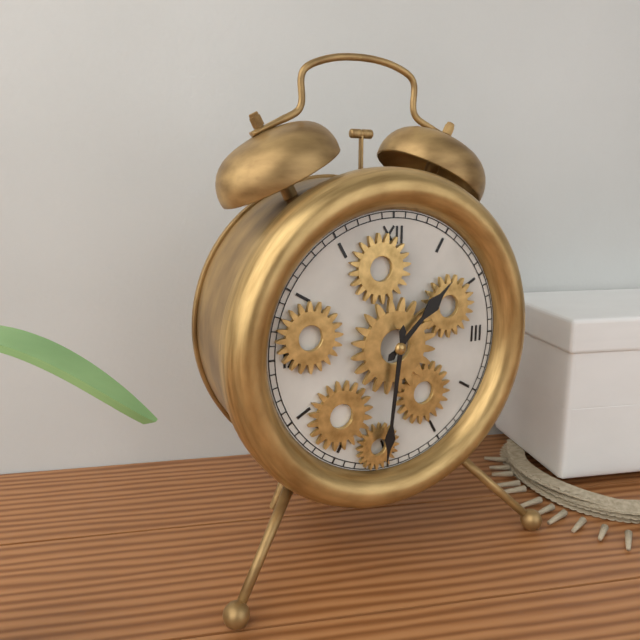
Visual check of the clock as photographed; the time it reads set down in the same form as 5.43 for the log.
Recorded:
1.31
